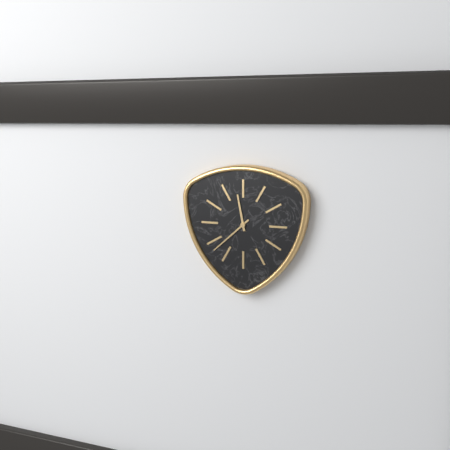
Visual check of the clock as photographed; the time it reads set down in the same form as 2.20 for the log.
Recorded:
11.38
